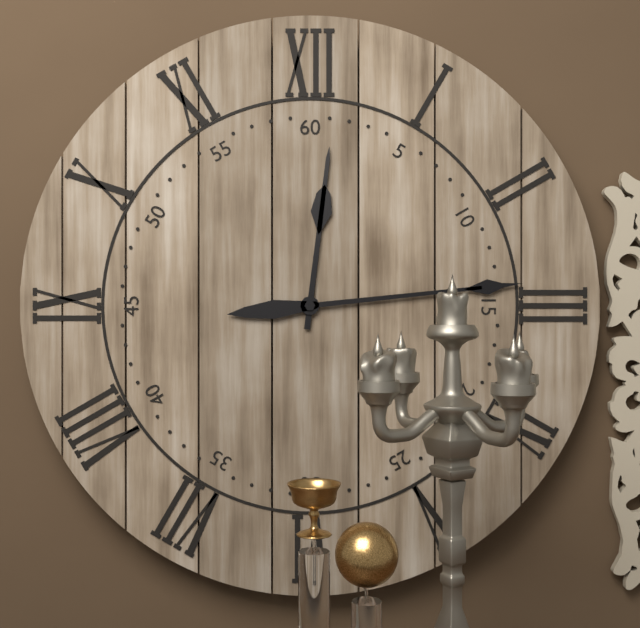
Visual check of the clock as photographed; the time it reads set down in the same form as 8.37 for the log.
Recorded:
12.14
